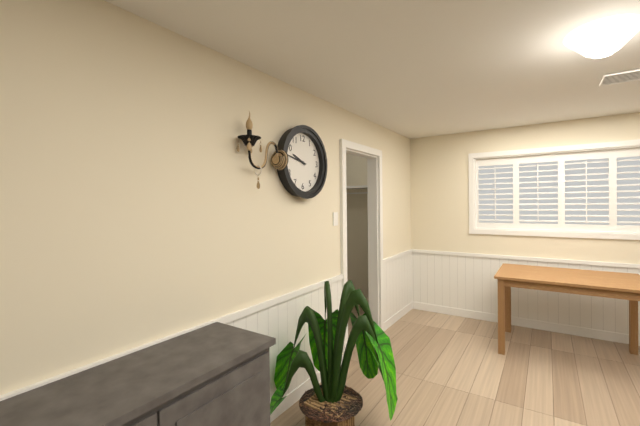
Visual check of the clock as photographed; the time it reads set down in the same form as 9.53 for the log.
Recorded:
9.47
